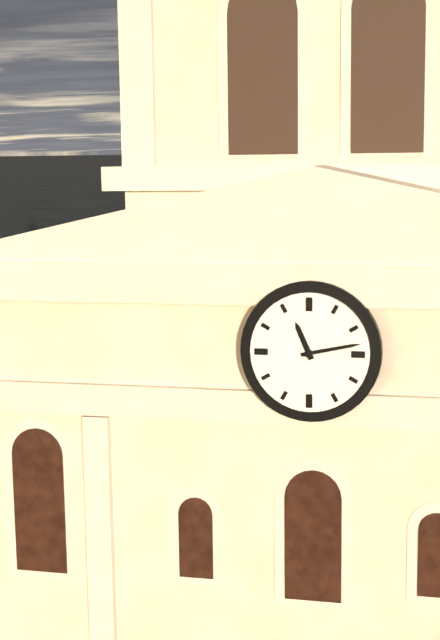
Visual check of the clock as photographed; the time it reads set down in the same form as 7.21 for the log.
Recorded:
11.13
